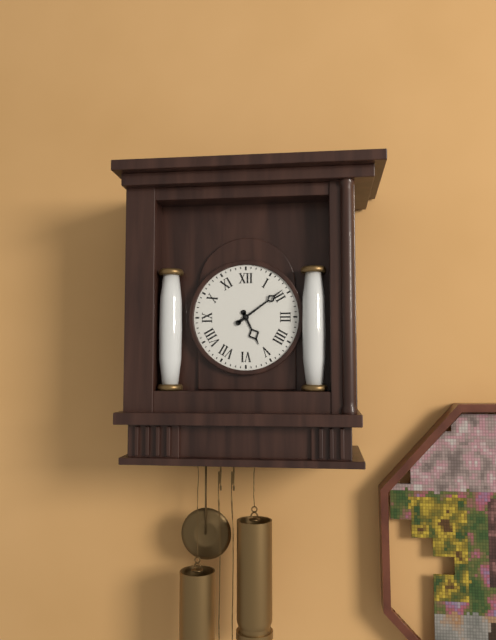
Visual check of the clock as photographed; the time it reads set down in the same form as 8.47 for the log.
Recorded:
5.09
